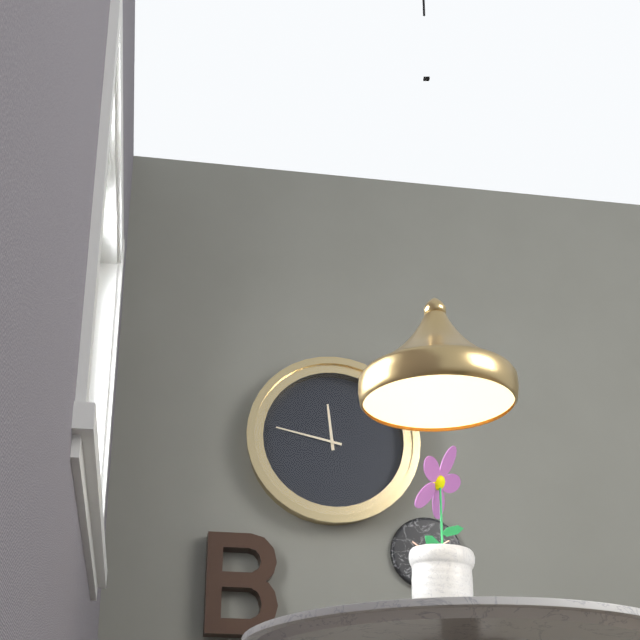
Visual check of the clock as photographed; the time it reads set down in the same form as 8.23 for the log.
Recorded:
11.47
